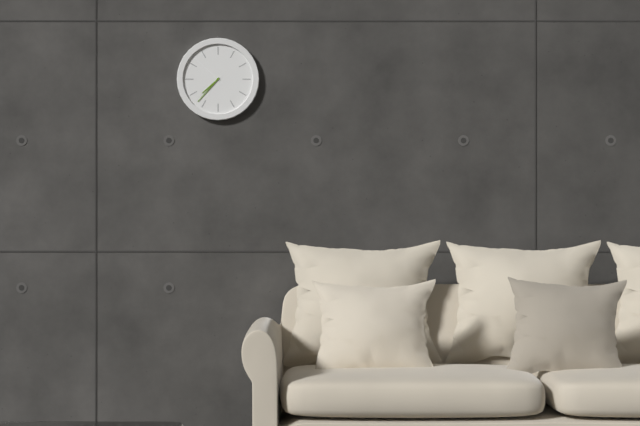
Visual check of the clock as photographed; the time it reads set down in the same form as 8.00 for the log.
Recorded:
7.37
